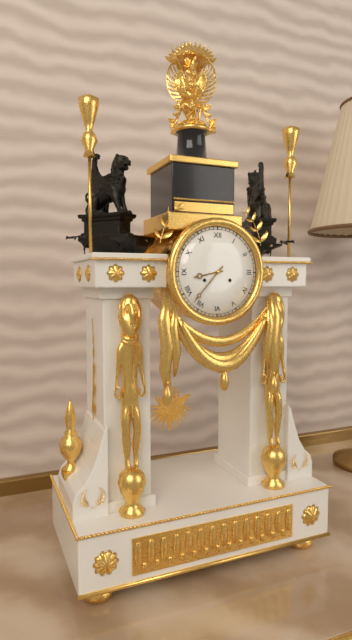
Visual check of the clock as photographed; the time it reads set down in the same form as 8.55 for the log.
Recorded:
8.37
